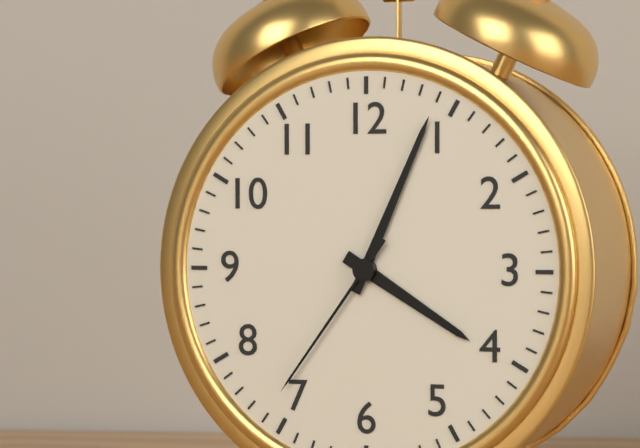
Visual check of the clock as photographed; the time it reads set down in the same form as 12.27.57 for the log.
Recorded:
4.04.36
